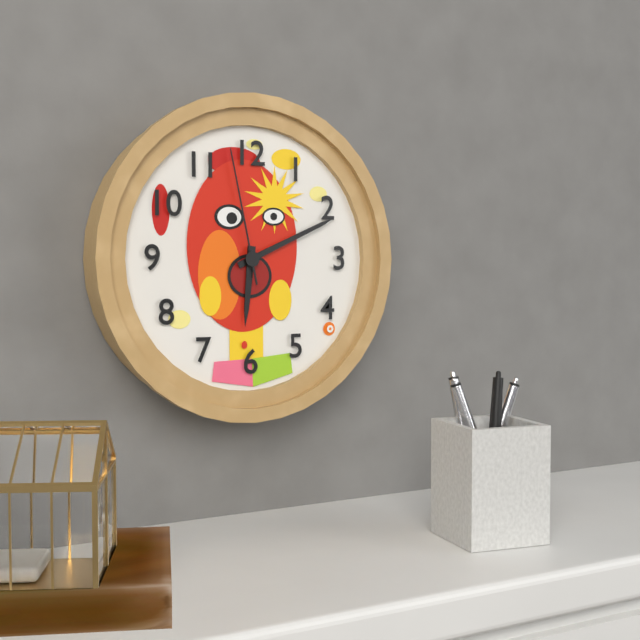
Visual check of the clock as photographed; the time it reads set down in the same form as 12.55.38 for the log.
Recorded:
6.11.58
